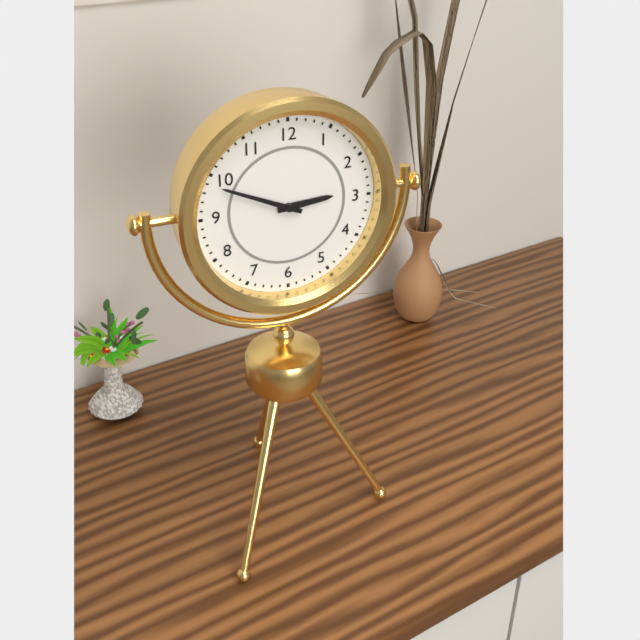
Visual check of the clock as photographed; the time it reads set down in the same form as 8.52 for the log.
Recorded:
2.49
